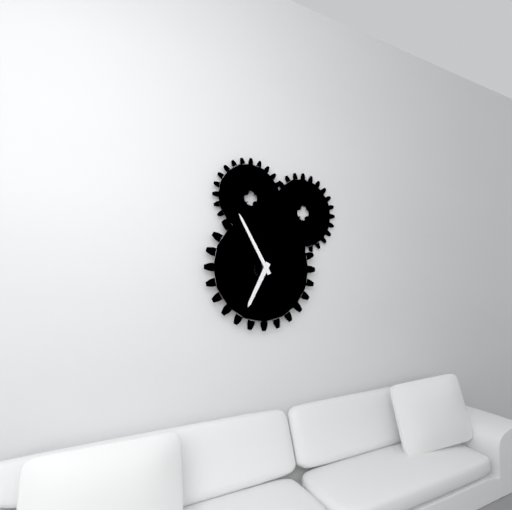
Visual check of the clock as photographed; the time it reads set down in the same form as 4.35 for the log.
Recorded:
6.55
